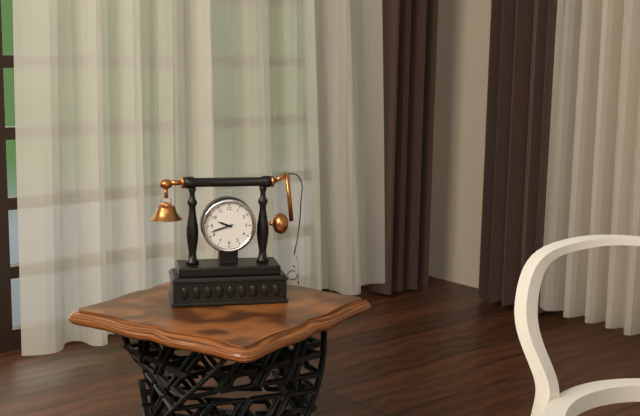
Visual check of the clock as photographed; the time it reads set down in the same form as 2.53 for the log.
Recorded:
9.42
